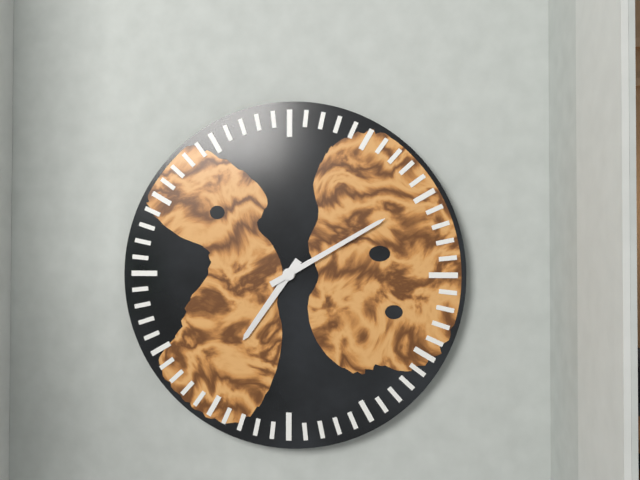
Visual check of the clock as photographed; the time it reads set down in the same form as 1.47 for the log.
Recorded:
7.10
